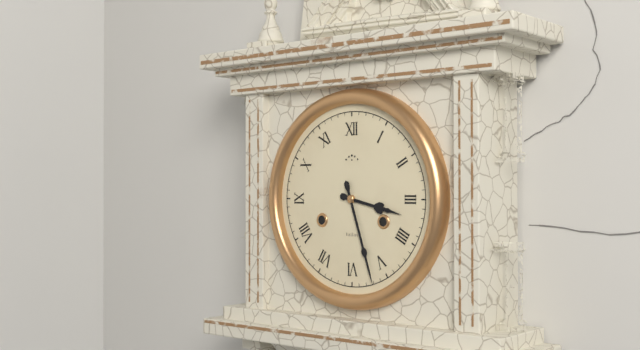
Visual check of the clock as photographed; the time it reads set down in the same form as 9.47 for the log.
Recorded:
3.27
